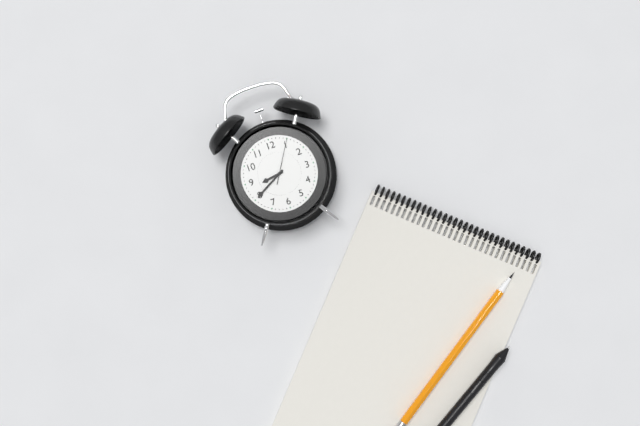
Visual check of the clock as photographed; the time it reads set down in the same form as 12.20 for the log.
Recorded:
8.40
